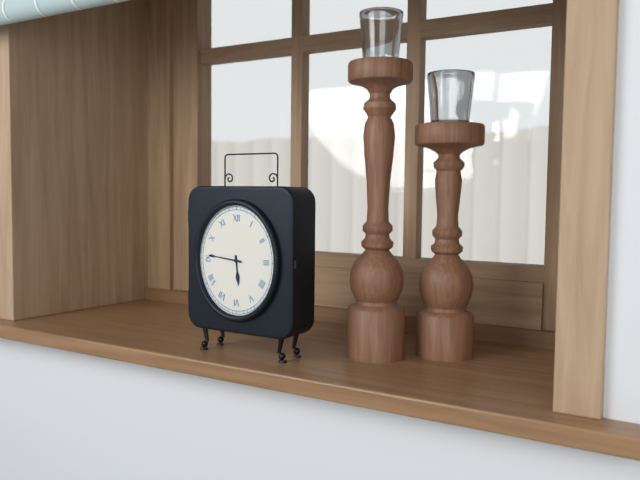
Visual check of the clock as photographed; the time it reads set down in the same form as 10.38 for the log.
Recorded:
5.46
